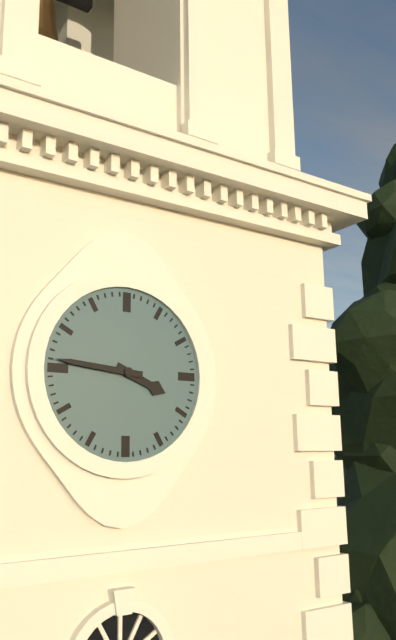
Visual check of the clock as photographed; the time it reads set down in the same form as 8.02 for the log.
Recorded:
3.46
